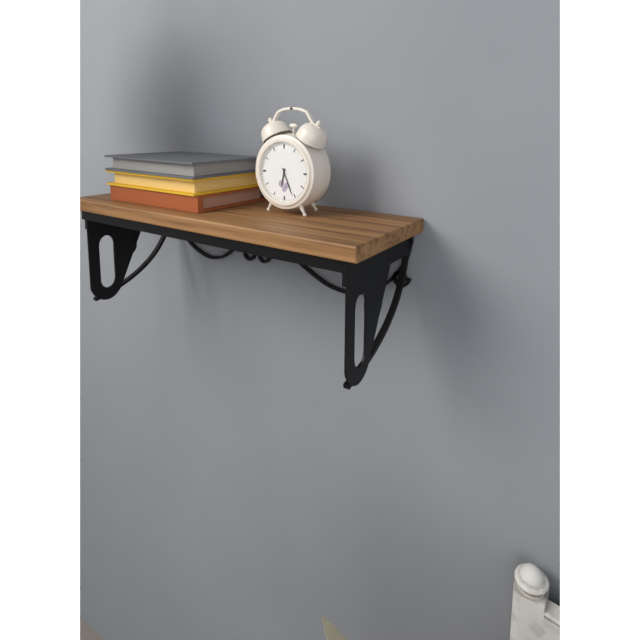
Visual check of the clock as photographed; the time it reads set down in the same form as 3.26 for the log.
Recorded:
6.26
